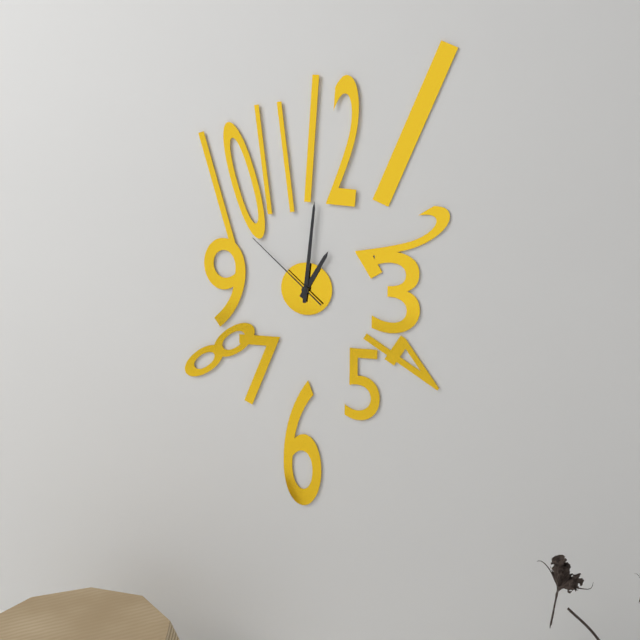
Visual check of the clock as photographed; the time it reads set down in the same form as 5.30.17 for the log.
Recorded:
1.01.52
